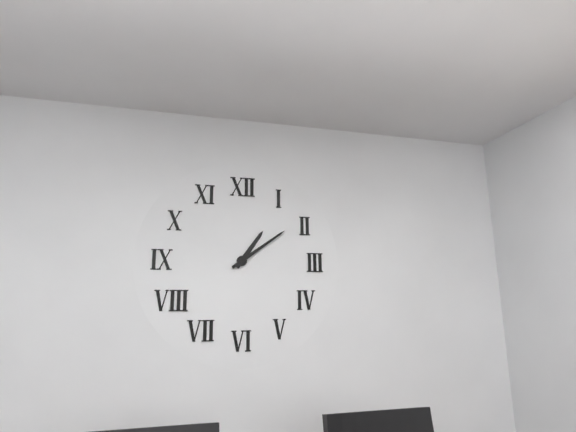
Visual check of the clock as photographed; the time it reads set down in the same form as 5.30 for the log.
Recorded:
1.09
